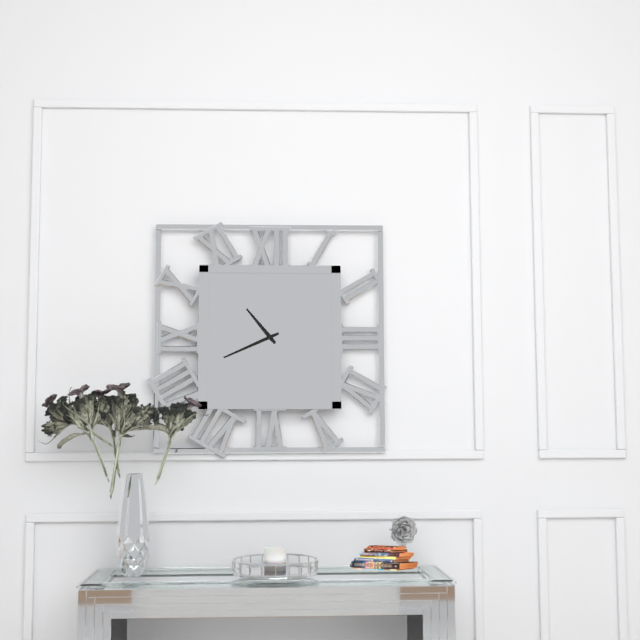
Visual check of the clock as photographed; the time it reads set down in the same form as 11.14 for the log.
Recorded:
10.41
